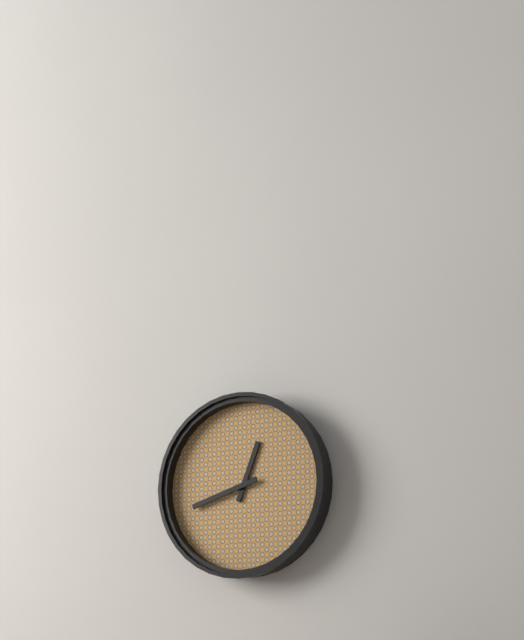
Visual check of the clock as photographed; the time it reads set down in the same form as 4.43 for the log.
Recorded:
12.42
